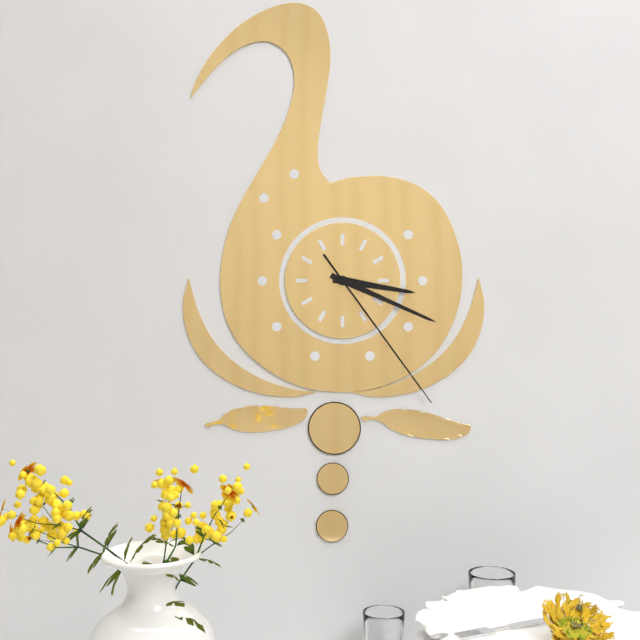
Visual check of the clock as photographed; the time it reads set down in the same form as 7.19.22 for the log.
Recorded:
3.19.24
